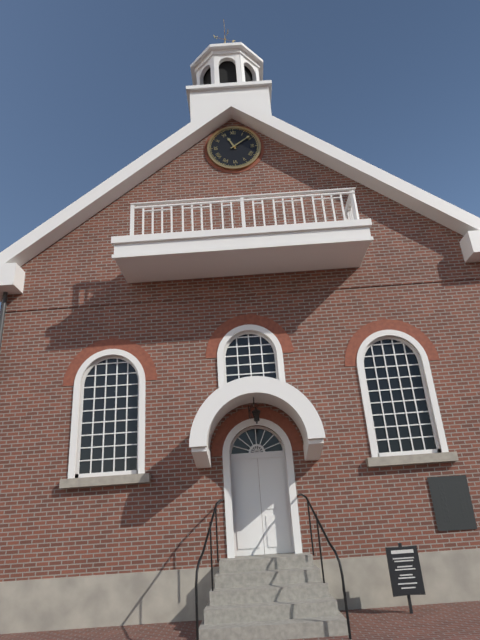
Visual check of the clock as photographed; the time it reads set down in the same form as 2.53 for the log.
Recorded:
11.09
